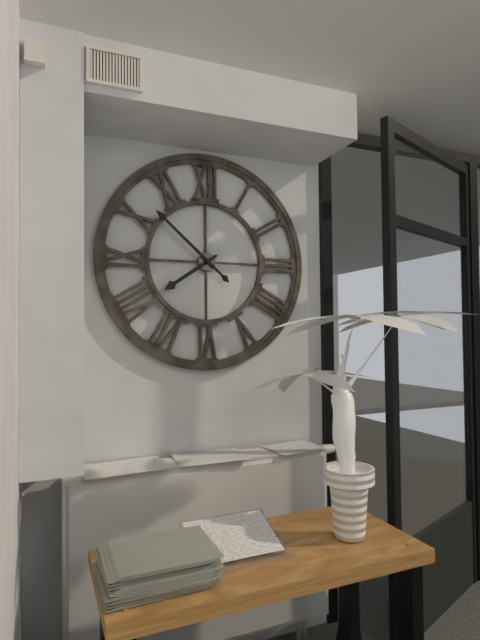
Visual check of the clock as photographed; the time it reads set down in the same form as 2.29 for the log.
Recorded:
7.52
